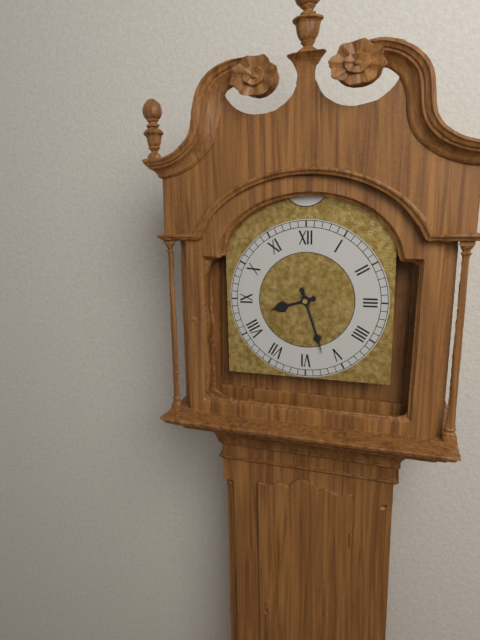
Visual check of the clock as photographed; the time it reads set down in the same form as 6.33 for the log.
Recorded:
8.27
